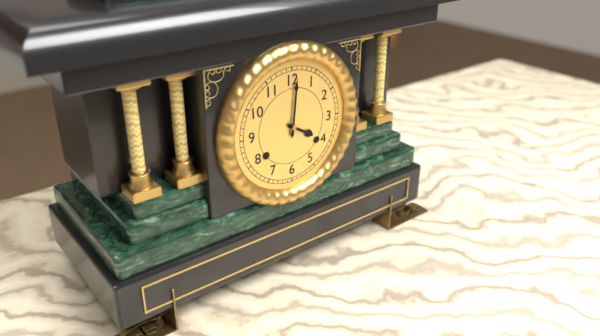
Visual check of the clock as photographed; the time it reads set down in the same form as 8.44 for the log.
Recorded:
4.01
